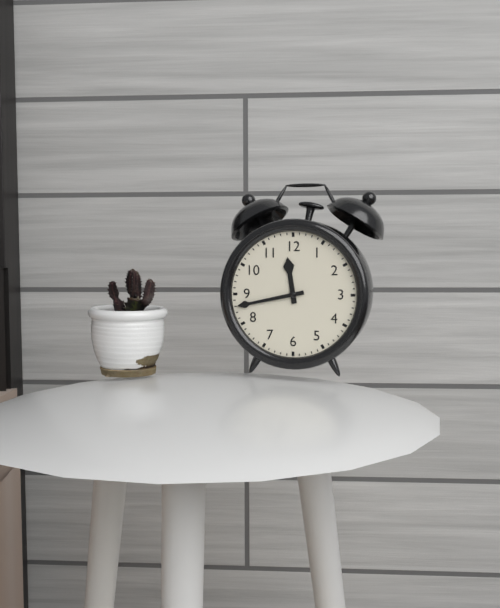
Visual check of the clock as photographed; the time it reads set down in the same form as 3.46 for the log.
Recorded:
11.43
